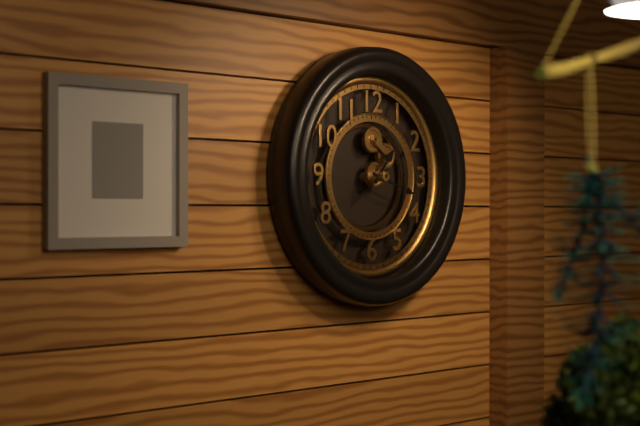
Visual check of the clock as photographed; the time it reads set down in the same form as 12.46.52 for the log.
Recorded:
1.18.39
